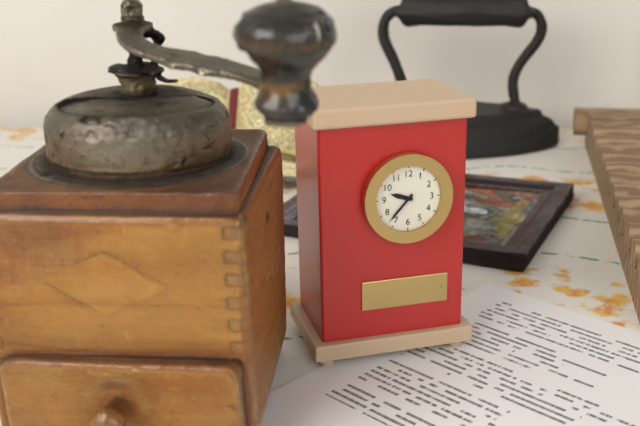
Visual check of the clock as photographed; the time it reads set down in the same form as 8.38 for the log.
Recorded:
9.37
